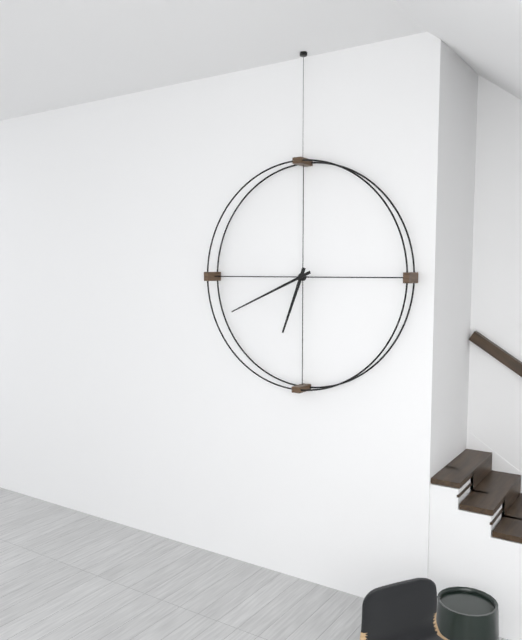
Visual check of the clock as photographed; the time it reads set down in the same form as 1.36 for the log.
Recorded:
6.41
